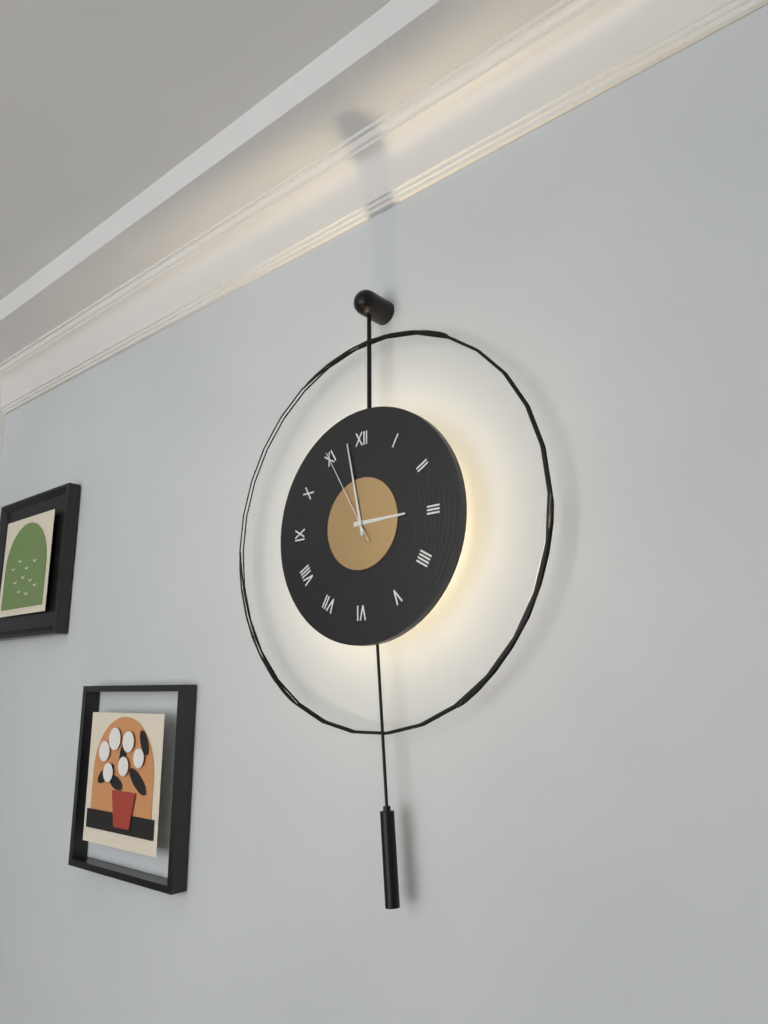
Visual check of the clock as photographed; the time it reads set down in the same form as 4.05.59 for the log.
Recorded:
2.58.55
